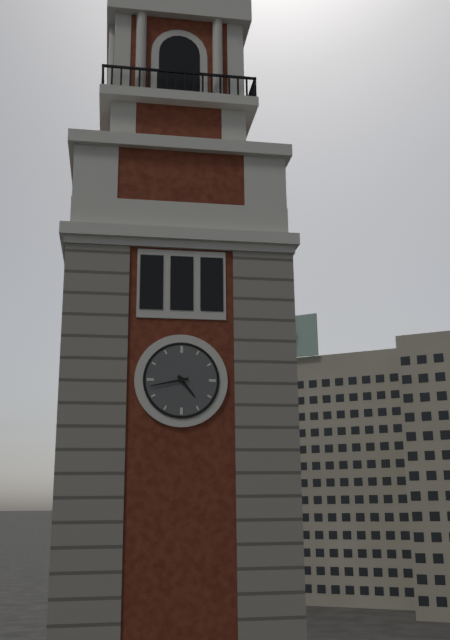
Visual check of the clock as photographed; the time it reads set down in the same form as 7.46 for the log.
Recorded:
4.43
